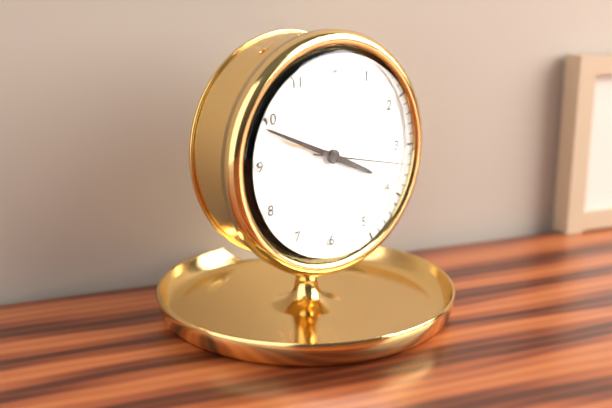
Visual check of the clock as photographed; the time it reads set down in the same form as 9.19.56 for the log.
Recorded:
3.49.17
